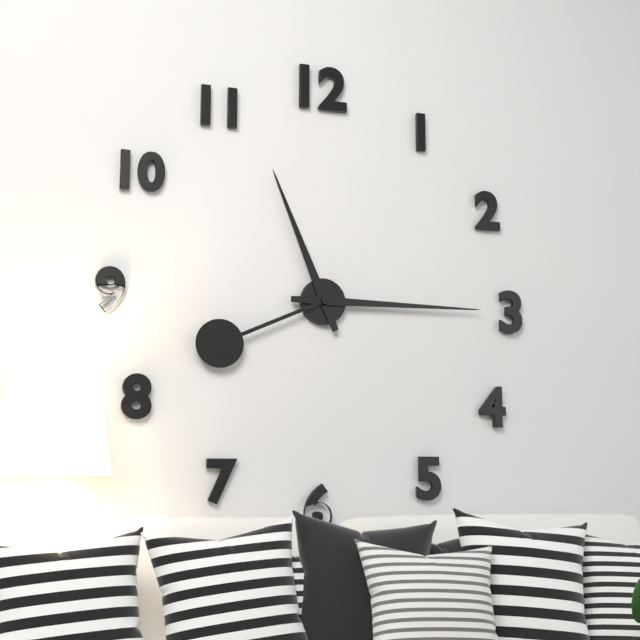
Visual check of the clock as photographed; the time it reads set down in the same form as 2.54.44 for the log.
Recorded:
11.15.41
